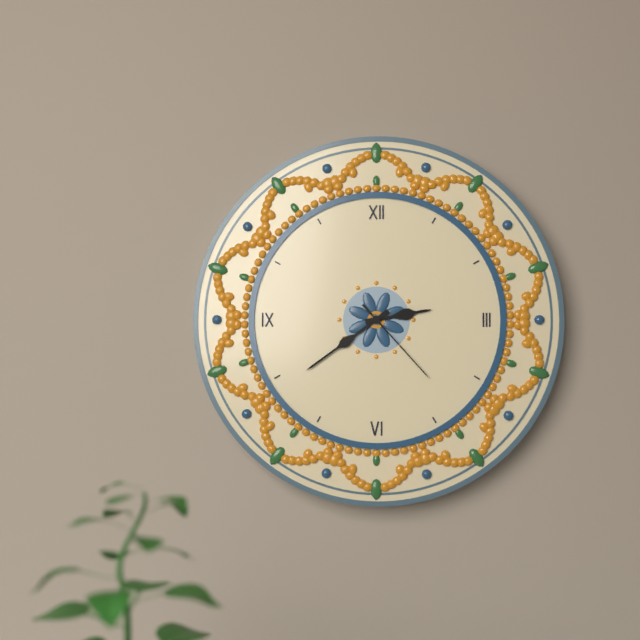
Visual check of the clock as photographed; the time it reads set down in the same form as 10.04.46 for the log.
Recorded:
2.39.23
